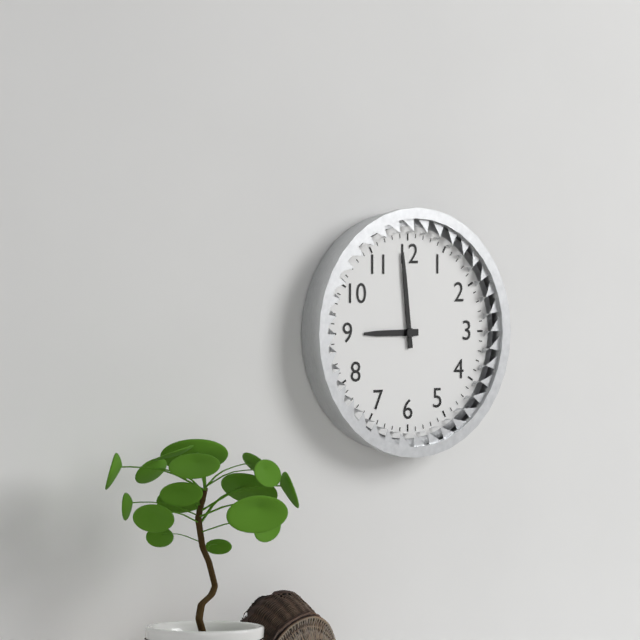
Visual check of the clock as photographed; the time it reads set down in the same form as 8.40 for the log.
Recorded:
8.59
